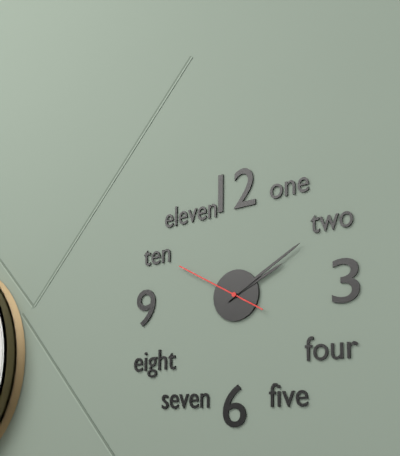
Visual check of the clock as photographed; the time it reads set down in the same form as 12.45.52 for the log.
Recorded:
2.10.50
